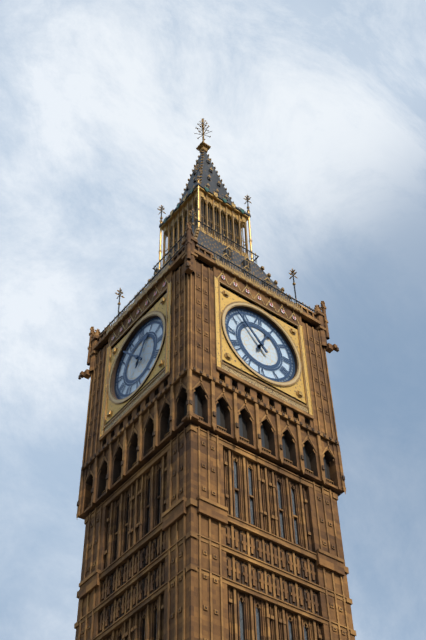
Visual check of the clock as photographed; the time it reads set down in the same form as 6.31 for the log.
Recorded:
12.53
